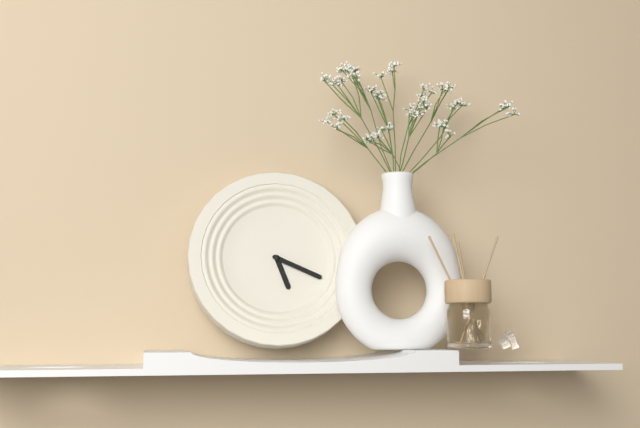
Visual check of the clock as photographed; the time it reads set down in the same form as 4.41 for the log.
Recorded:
5.19
